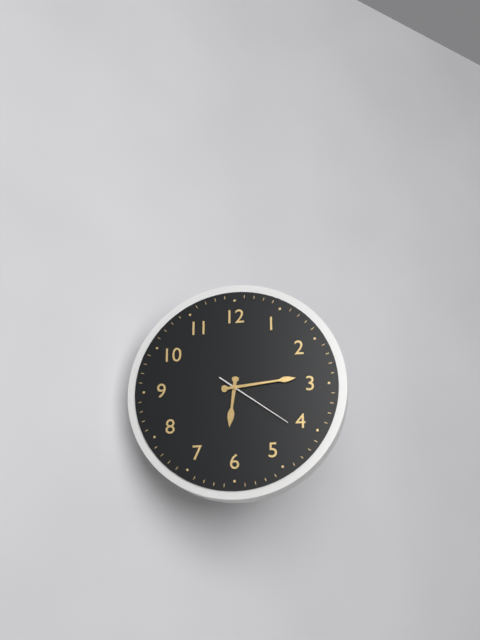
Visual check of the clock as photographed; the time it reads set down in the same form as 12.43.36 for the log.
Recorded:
6.14.21
